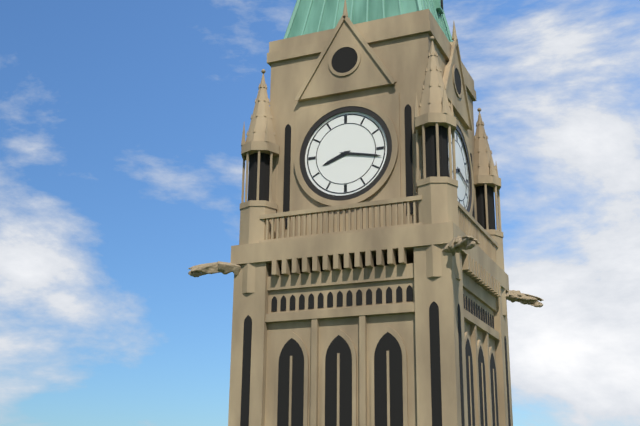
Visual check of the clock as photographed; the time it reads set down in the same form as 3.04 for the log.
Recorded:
8.17
